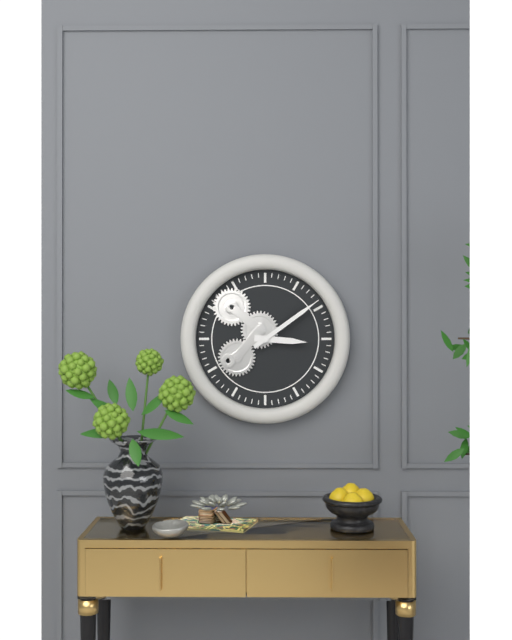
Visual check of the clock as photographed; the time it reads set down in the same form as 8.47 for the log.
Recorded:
3.09
